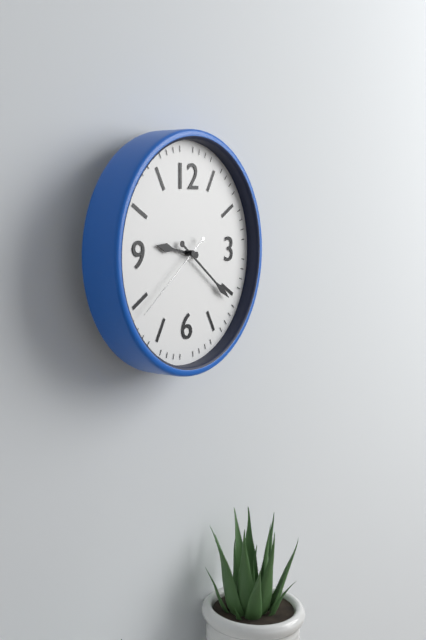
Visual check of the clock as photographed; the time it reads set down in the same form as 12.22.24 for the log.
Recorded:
9.21.39
